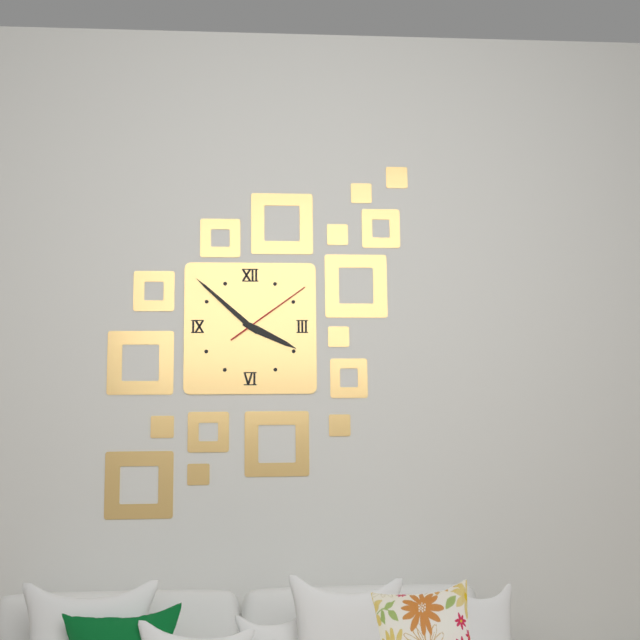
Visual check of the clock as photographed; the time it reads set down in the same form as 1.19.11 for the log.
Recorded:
3.52.09
